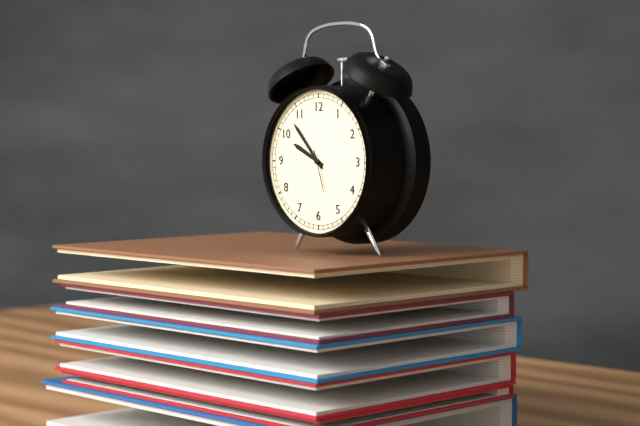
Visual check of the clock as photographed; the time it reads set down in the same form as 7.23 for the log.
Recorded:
9.53
